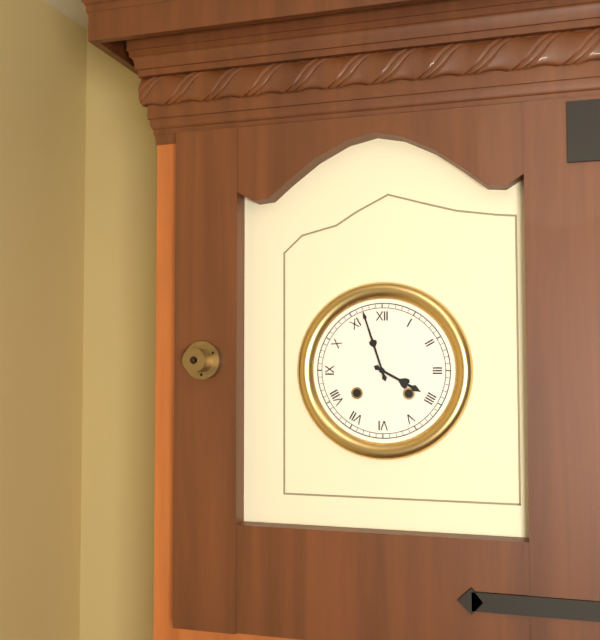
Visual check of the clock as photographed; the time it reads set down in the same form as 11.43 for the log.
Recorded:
3.57
